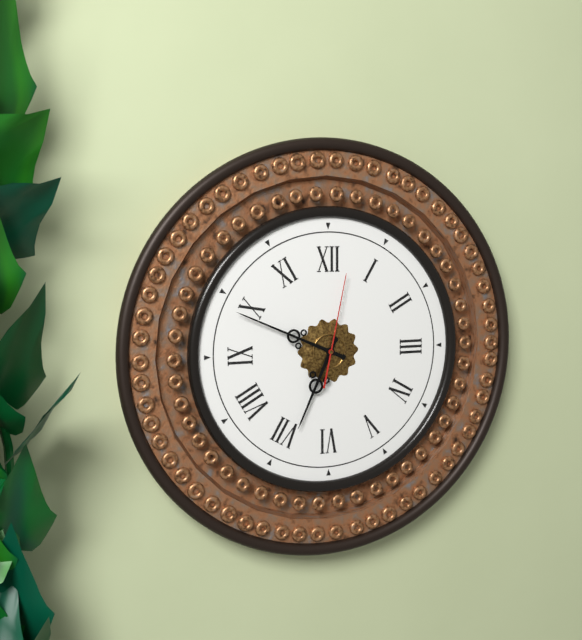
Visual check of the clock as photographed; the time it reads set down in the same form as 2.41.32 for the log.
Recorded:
6.49.02
